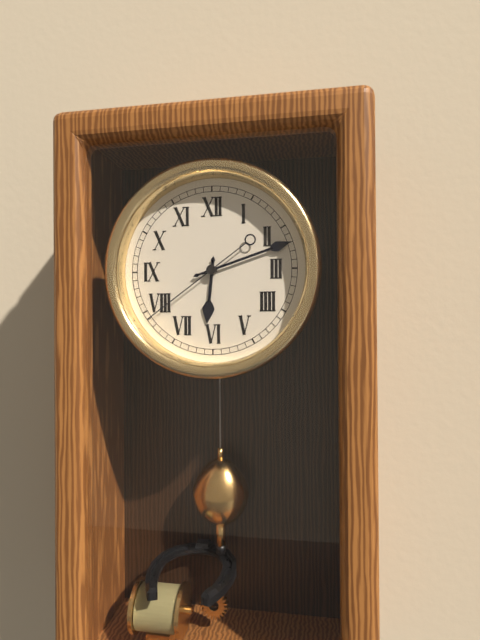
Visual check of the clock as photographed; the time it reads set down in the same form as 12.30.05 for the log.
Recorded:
6.12.39
